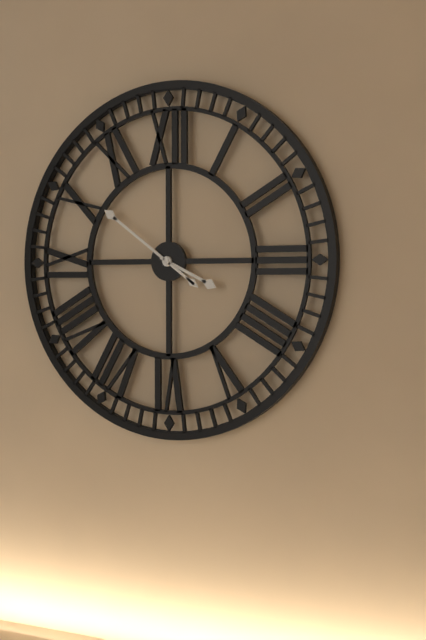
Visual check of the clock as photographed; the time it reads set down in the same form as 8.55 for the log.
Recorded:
3.51
